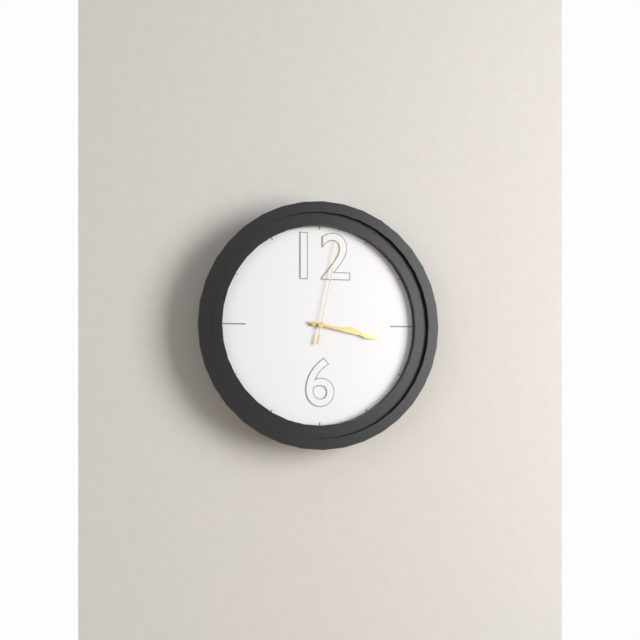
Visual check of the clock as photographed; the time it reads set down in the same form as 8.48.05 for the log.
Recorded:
3.17.02
